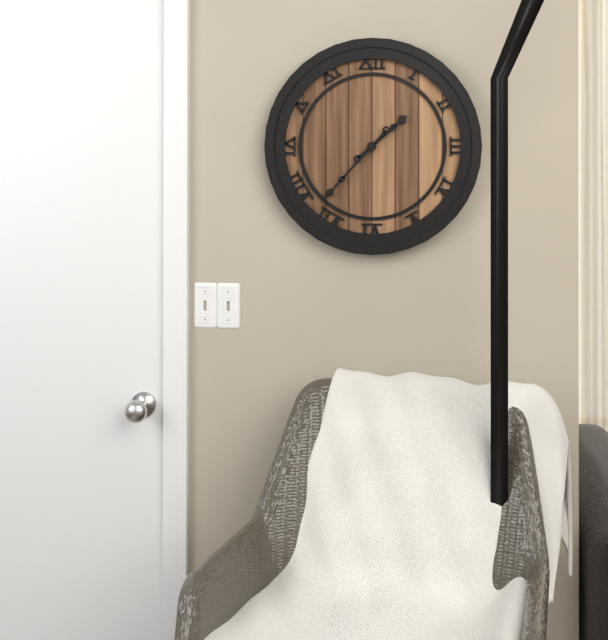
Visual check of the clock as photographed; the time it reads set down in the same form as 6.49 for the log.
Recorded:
1.37
